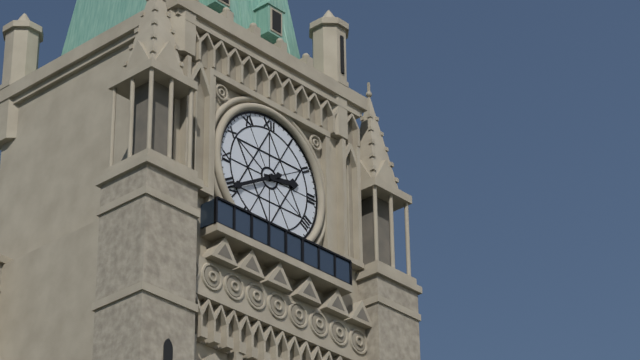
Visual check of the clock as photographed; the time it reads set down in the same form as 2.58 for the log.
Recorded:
2.40
